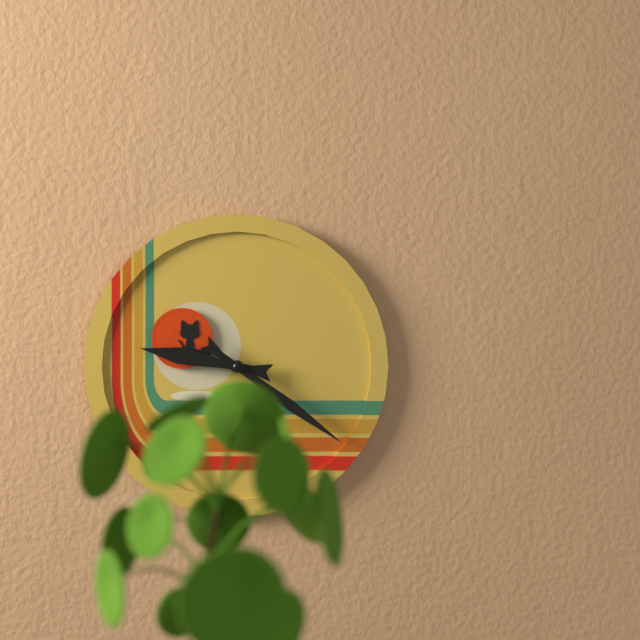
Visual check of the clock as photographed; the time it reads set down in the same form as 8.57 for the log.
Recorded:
9.21
